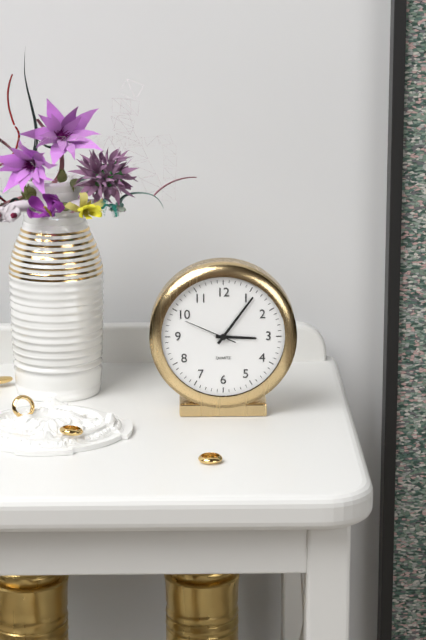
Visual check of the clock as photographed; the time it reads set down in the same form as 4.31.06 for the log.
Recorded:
3.06.49
